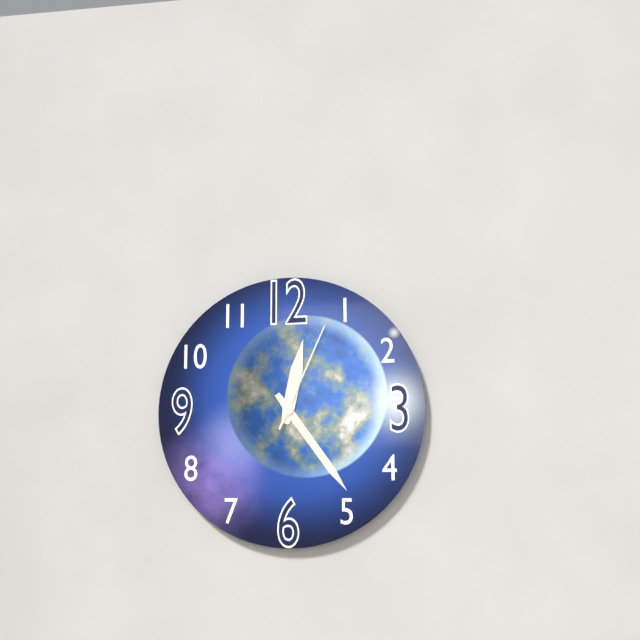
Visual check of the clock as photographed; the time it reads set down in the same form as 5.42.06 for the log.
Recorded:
12.24.04
